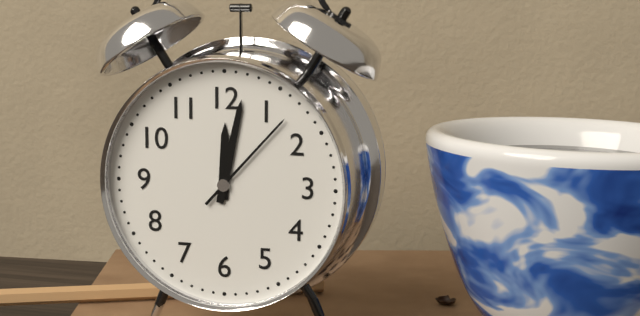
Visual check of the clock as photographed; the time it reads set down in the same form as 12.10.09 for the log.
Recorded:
12.02.07
